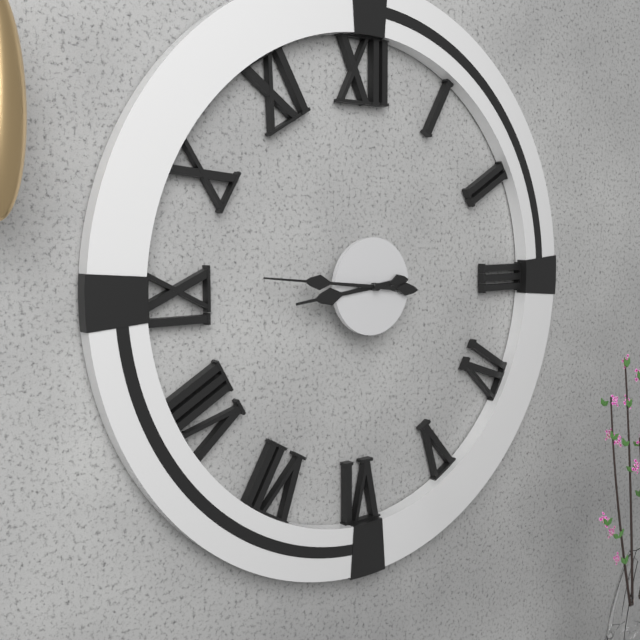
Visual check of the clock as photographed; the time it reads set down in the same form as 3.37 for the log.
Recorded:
8.46
